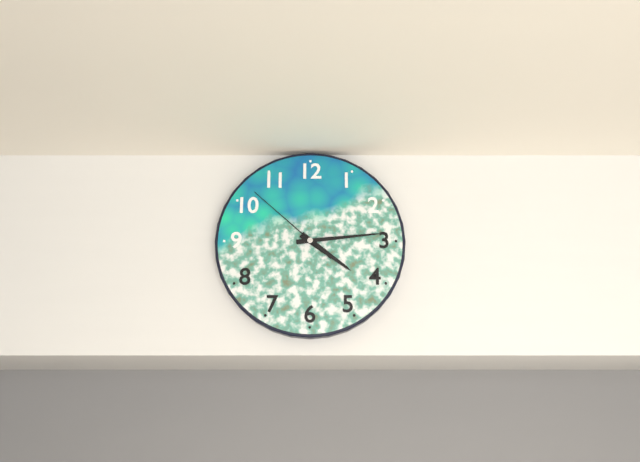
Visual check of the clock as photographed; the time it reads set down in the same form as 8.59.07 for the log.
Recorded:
4.14.52
